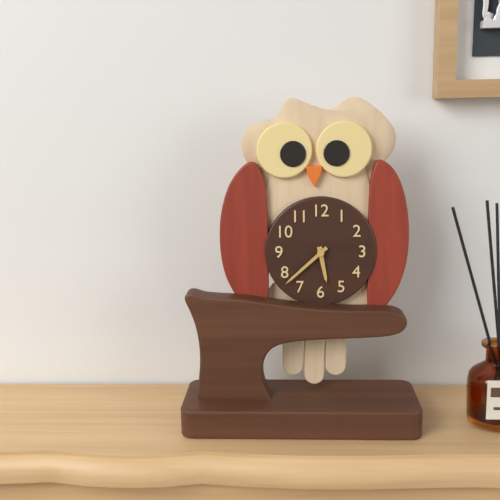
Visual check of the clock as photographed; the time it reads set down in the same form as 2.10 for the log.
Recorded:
5.38
